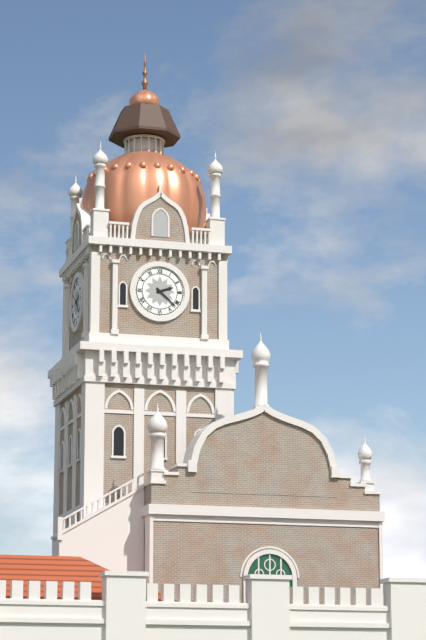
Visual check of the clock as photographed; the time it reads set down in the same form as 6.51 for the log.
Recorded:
2.22
